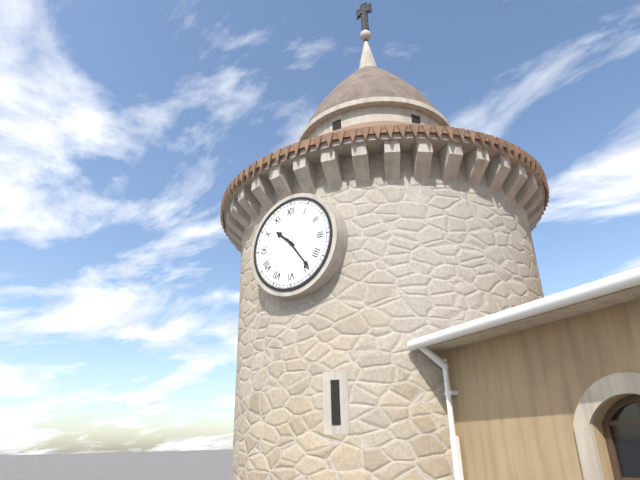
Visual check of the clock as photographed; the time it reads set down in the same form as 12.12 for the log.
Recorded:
10.24
